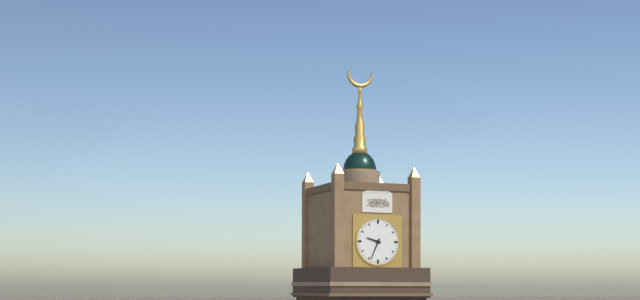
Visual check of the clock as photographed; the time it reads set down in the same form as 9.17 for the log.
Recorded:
9.34
